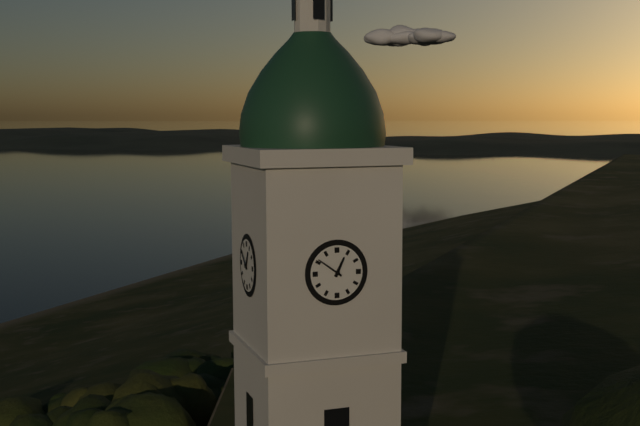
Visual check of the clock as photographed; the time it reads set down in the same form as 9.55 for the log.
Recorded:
12.51
